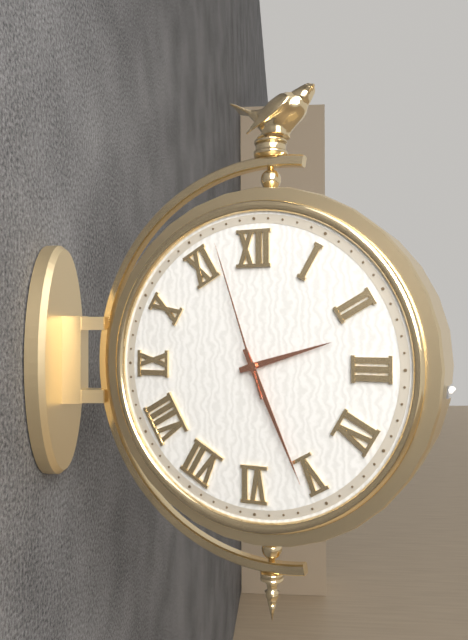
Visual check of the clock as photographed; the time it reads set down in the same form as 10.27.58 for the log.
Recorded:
2.26.57
